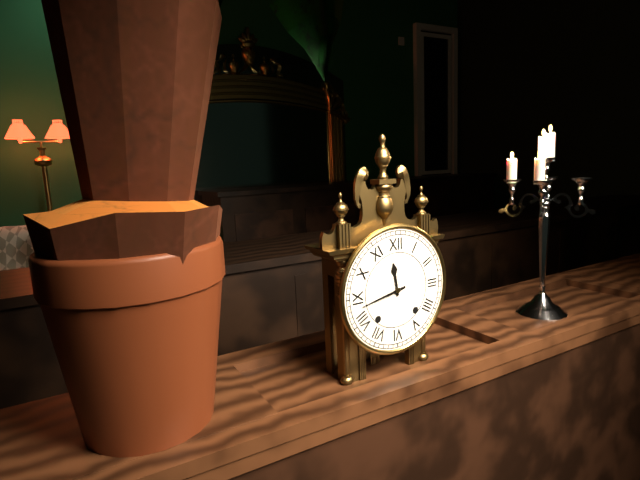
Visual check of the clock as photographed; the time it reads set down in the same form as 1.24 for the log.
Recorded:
11.43
